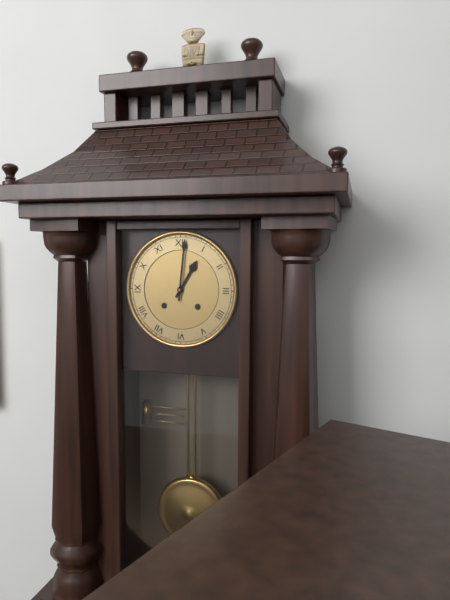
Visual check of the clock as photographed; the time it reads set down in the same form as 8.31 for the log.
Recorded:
1.01
